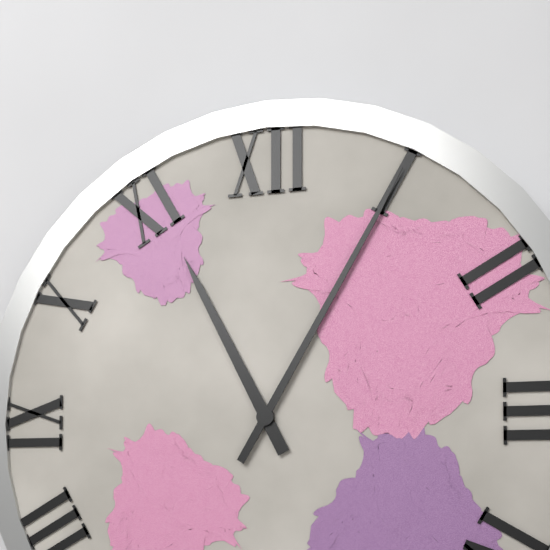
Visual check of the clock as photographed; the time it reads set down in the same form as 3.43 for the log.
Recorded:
11.05
